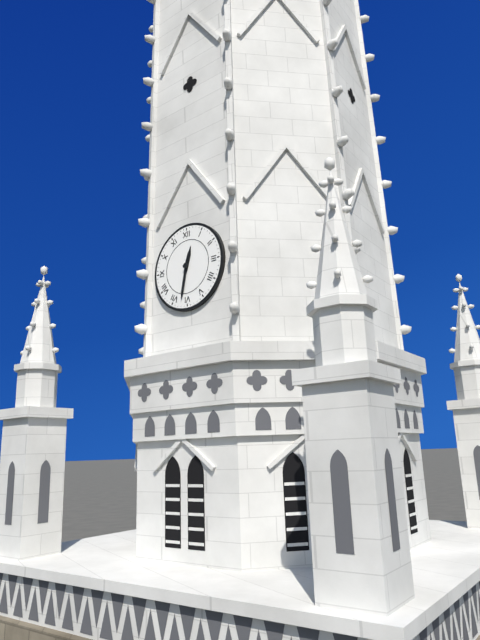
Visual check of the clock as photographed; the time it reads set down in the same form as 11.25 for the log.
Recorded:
12.32
